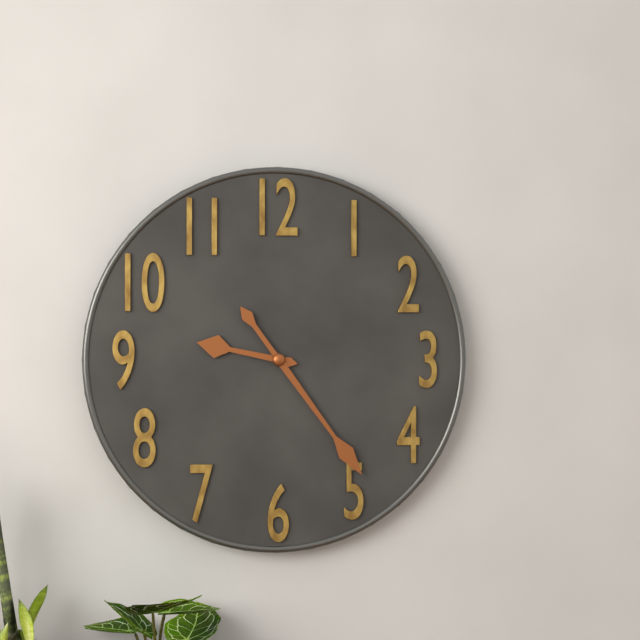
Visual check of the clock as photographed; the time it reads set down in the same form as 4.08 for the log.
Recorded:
9.24
